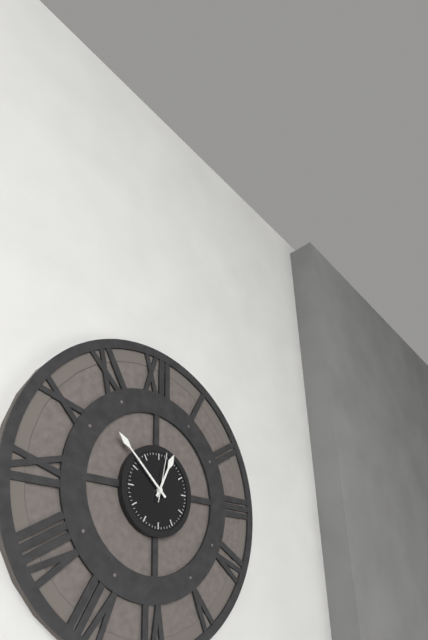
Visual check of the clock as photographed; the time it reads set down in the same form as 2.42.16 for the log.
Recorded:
12.52.02
